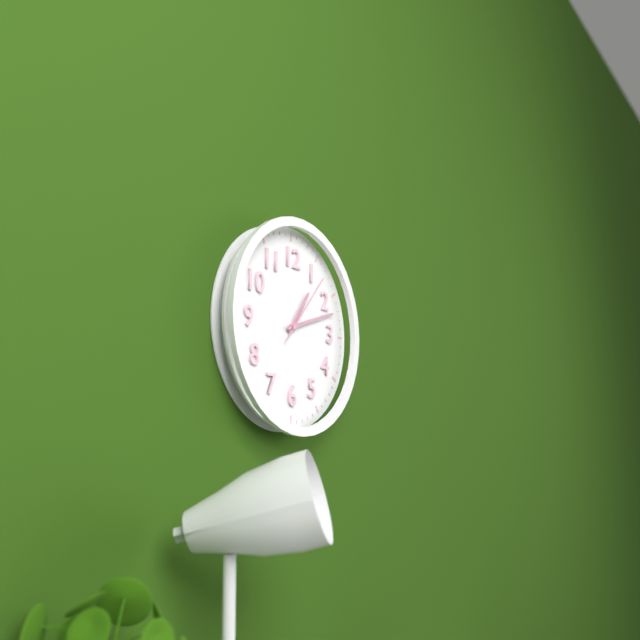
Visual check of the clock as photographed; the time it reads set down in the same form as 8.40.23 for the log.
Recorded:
1.12.07
